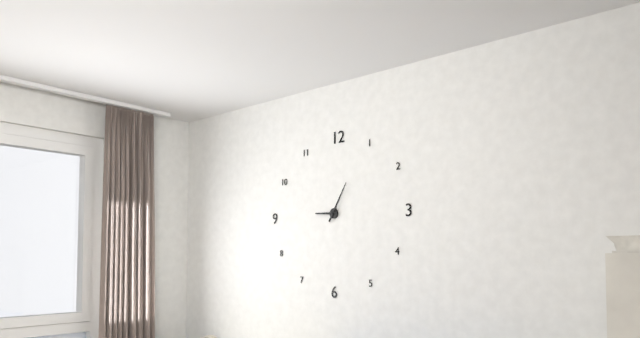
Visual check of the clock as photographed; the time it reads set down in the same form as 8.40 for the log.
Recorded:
9.05
